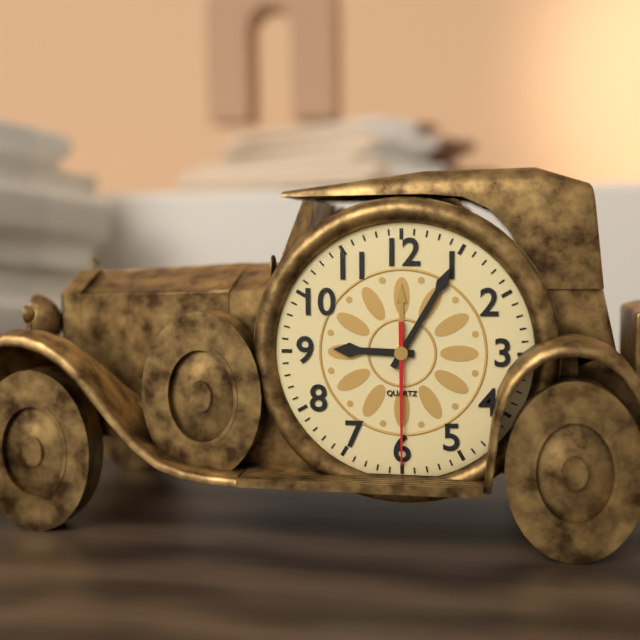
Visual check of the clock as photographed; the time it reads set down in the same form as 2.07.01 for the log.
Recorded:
9.05.30
